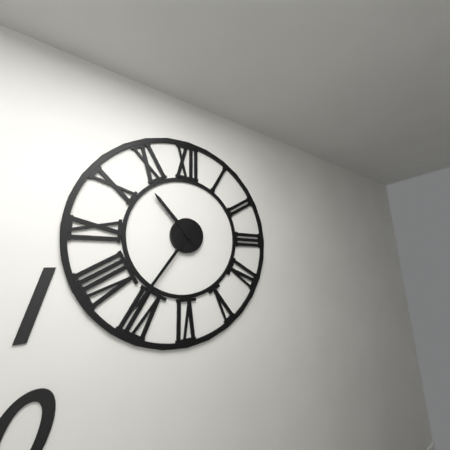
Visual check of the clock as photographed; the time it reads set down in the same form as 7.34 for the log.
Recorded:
10.36
